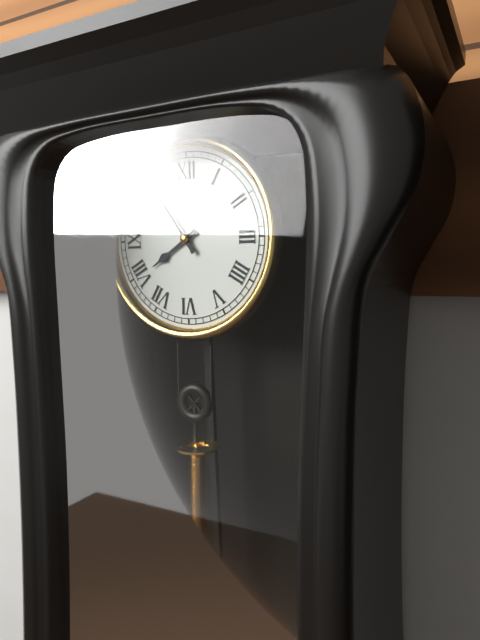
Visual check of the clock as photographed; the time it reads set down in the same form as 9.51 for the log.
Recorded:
7.54
